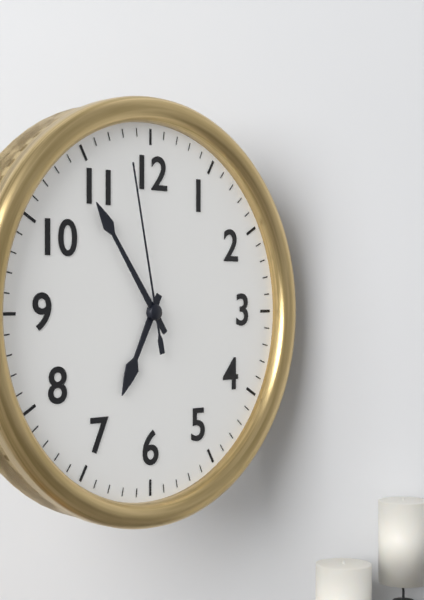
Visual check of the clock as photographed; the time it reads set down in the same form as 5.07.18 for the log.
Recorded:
6.54.58
